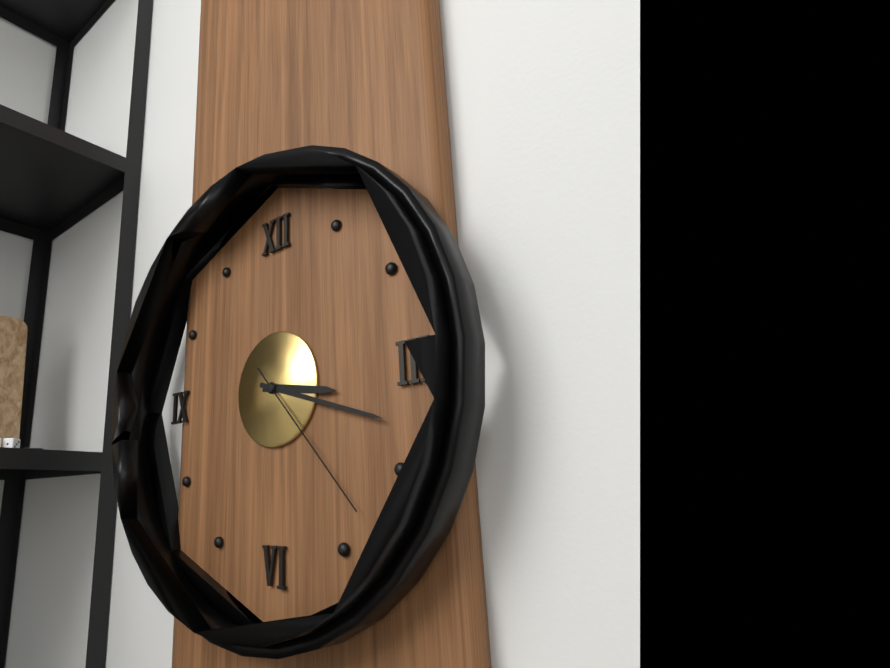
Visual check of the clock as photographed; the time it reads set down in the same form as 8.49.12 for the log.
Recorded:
3.18.23
